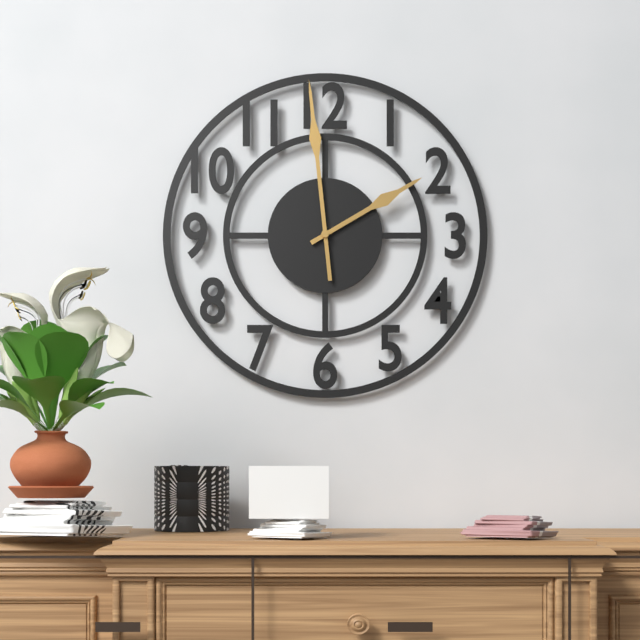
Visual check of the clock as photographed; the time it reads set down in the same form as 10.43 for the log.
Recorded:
1.59
